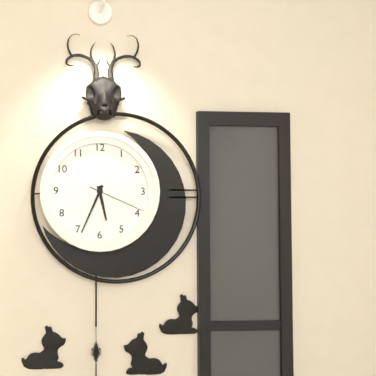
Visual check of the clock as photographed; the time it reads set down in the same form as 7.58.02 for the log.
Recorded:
5.34.19
